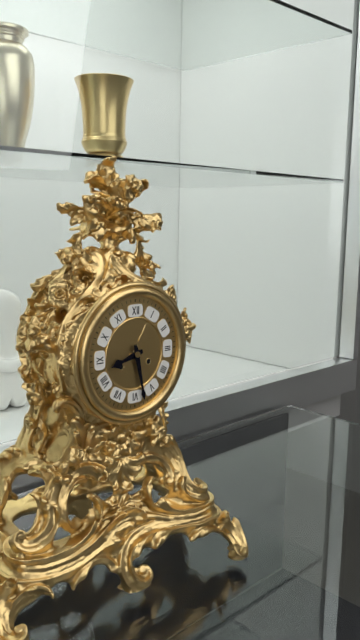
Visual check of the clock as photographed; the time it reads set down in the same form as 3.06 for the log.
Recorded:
8.28
